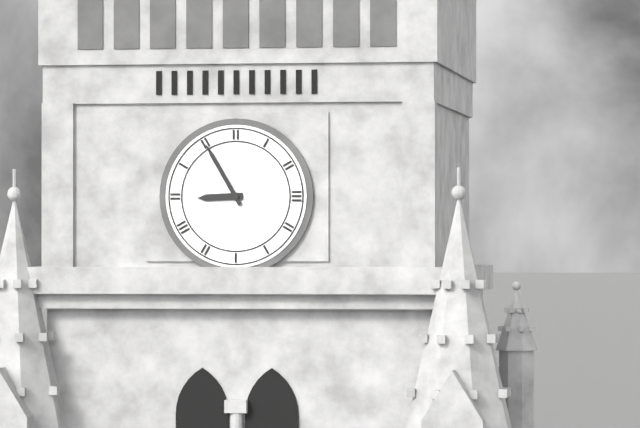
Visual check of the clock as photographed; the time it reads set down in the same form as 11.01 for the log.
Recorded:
8.55
